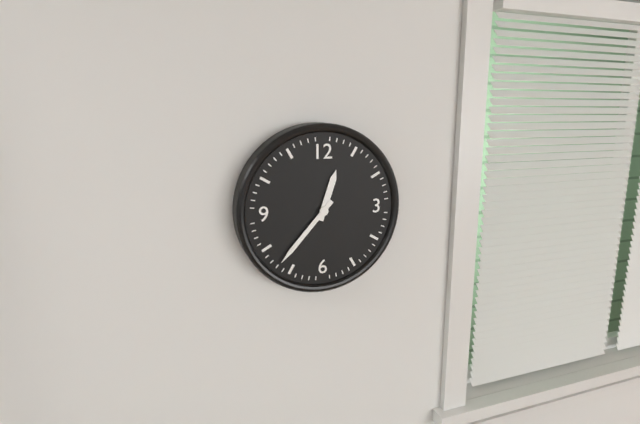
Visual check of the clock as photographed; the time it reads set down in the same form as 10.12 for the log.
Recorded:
12.37
